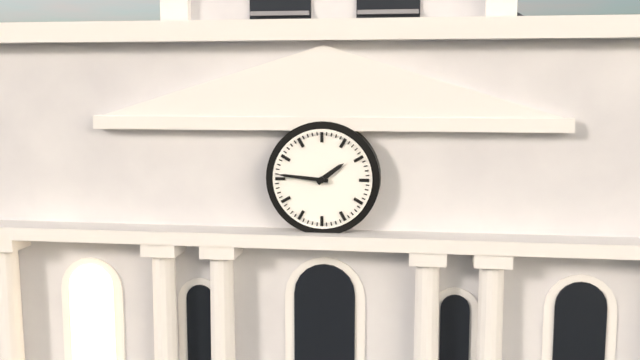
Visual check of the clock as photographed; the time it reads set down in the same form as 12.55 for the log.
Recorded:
1.46
